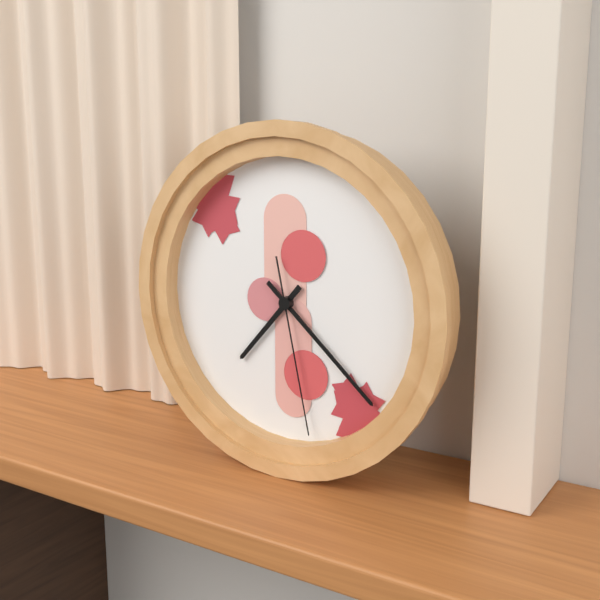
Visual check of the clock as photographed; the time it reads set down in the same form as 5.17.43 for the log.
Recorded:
7.22.28
